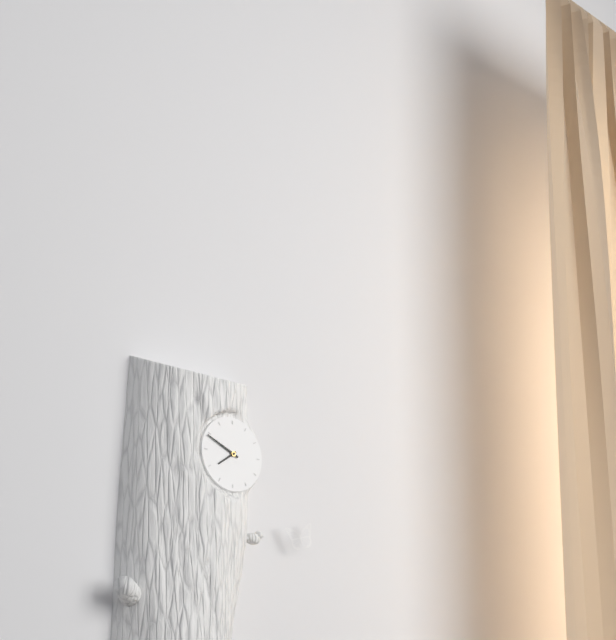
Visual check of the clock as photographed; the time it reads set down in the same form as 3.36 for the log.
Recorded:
7.49
